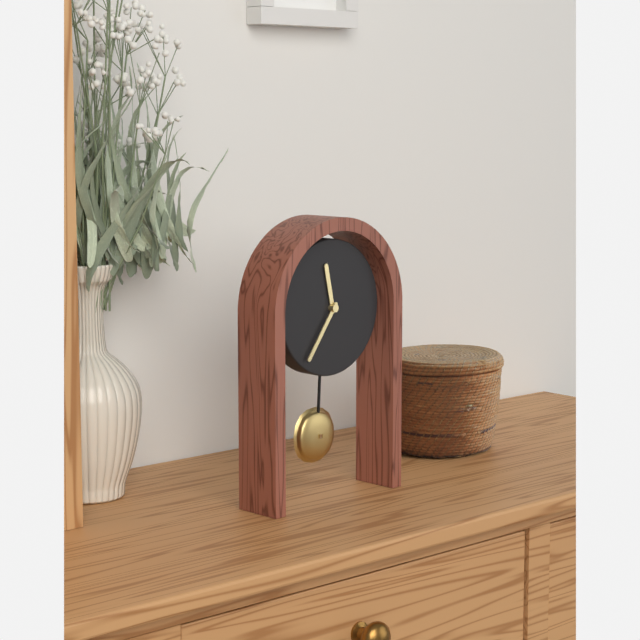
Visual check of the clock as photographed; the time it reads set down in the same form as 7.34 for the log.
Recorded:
11.36
